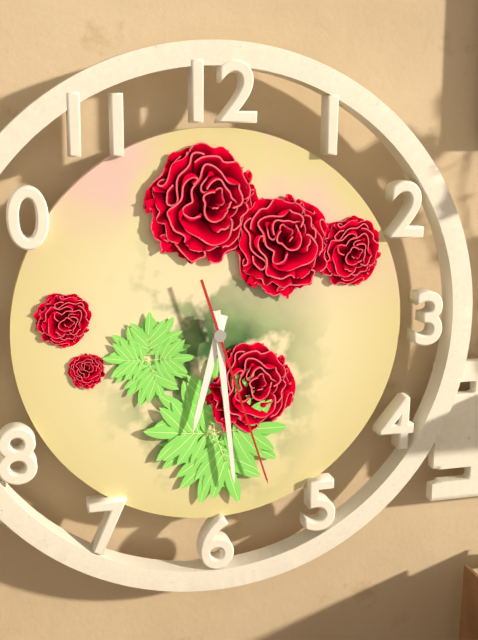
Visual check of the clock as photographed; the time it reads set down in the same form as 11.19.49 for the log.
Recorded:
6.29.27
